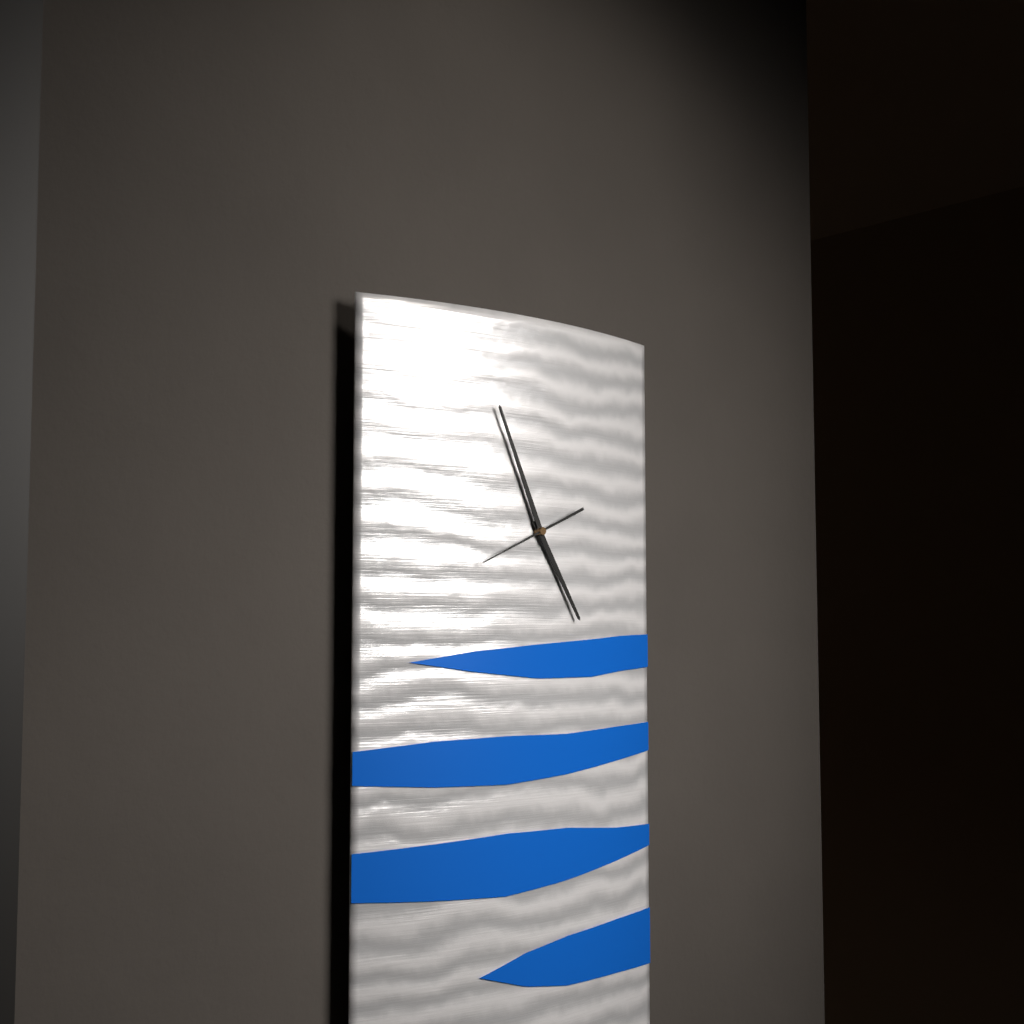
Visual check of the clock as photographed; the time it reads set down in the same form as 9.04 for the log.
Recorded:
4.56
